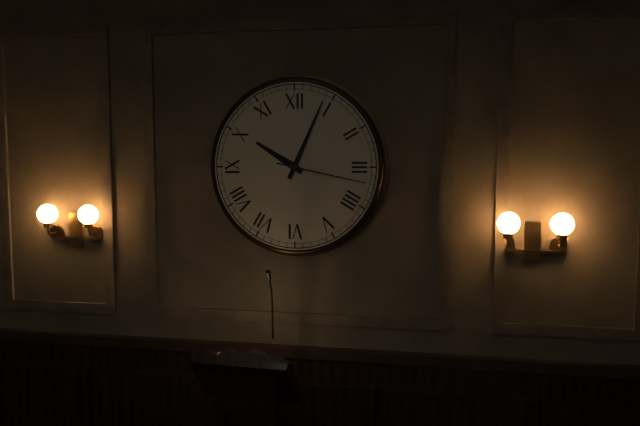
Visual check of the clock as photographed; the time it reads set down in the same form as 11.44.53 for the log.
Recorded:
10.04.17
